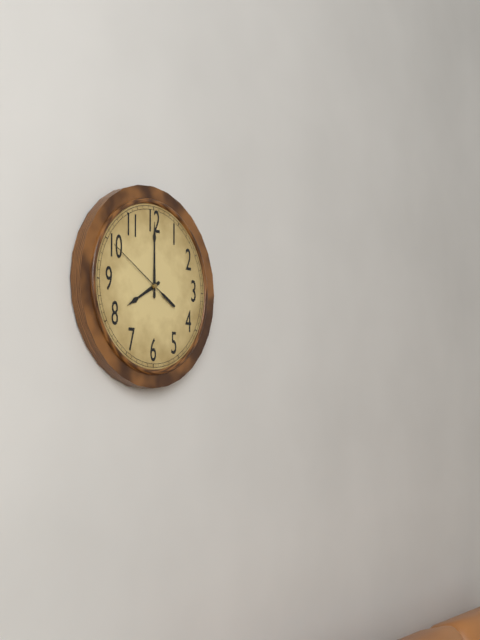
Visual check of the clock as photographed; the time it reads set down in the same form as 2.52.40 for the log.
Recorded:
8.00.50
